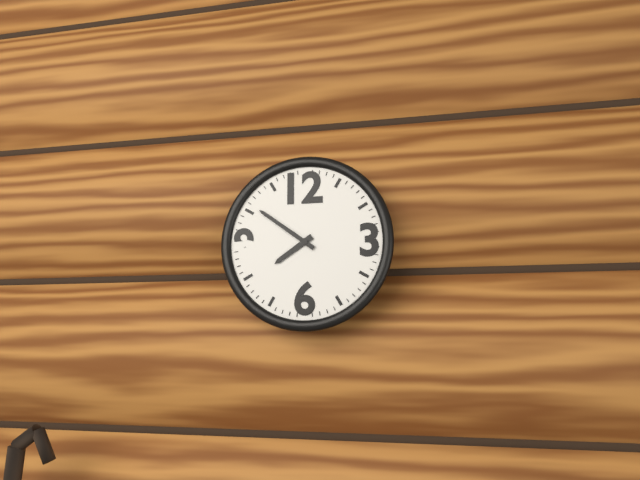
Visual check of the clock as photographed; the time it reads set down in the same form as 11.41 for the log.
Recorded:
7.51
